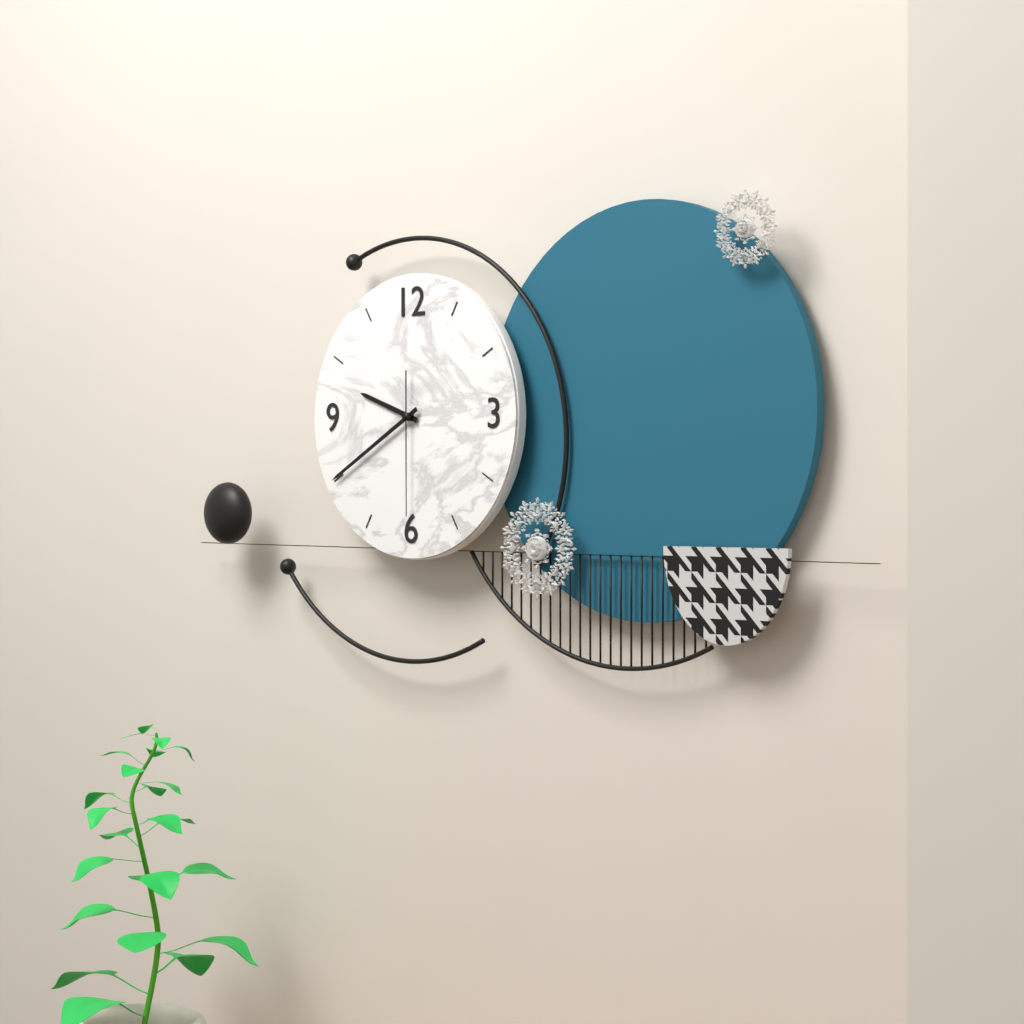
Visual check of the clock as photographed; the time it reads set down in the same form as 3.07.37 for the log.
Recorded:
9.40.30
